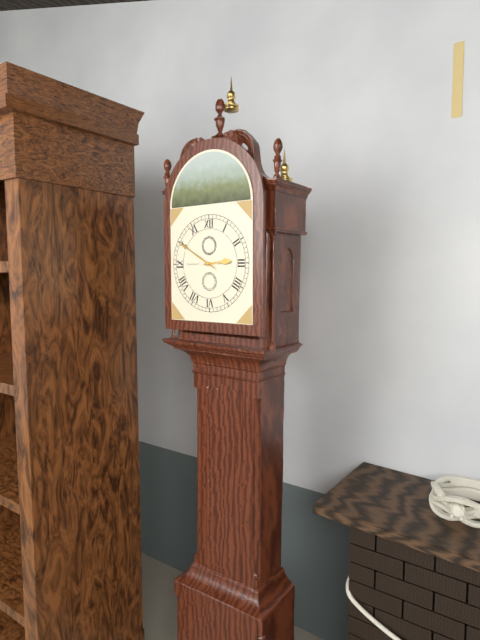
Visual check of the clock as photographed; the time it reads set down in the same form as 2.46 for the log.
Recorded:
2.50
